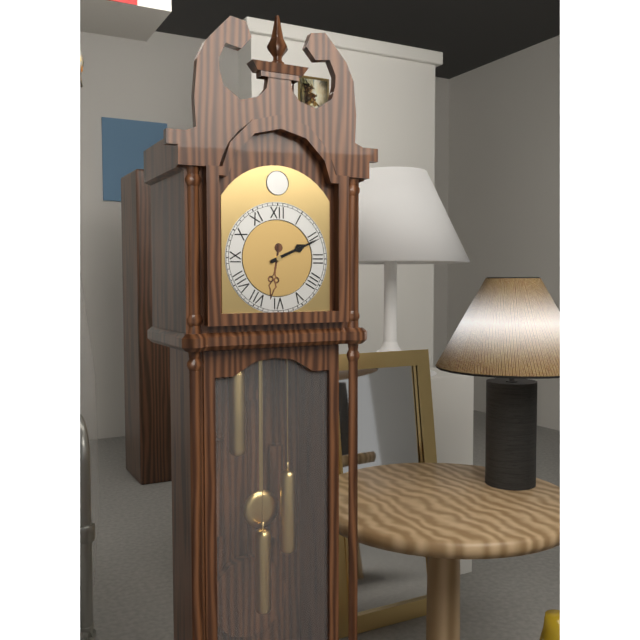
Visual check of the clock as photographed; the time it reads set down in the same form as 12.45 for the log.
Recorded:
2.11
